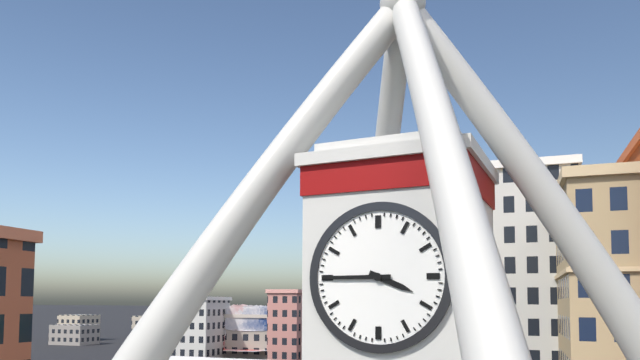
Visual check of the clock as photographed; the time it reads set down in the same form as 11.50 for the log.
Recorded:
3.45
